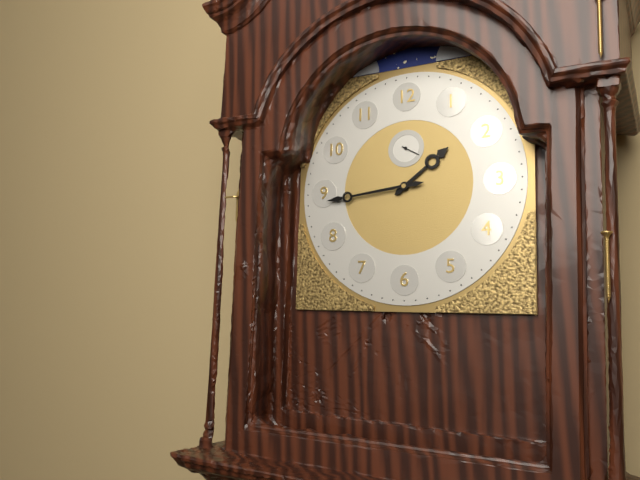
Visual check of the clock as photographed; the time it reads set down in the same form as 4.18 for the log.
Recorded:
1.44
